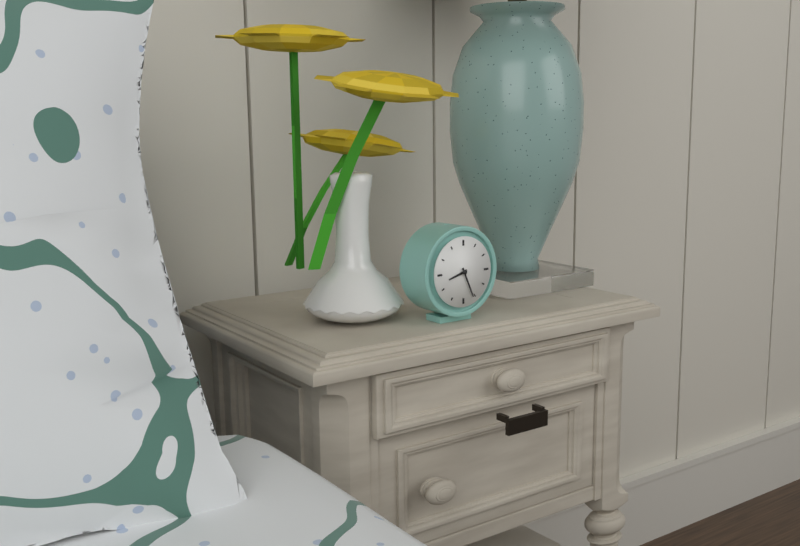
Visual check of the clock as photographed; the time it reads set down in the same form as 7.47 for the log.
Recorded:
8.26
